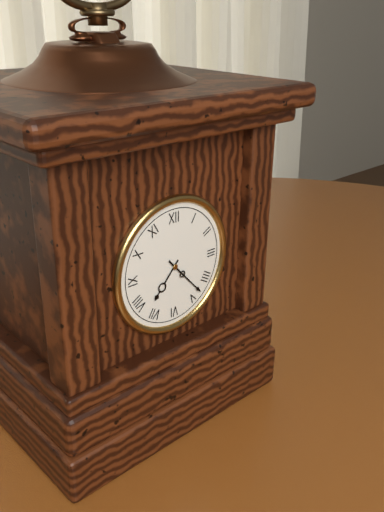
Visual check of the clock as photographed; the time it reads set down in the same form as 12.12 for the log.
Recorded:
7.23
